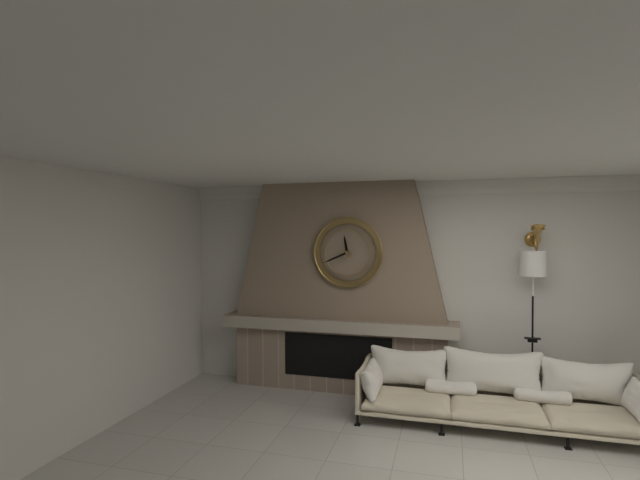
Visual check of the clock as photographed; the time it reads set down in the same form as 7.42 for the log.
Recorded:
11.41
